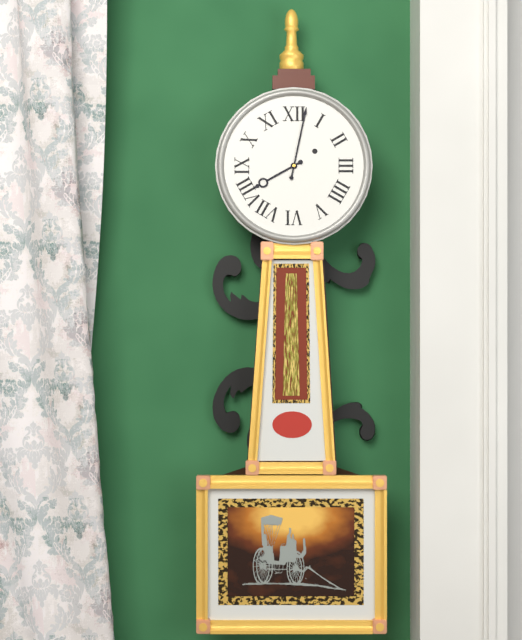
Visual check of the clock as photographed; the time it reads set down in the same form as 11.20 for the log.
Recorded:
8.02
